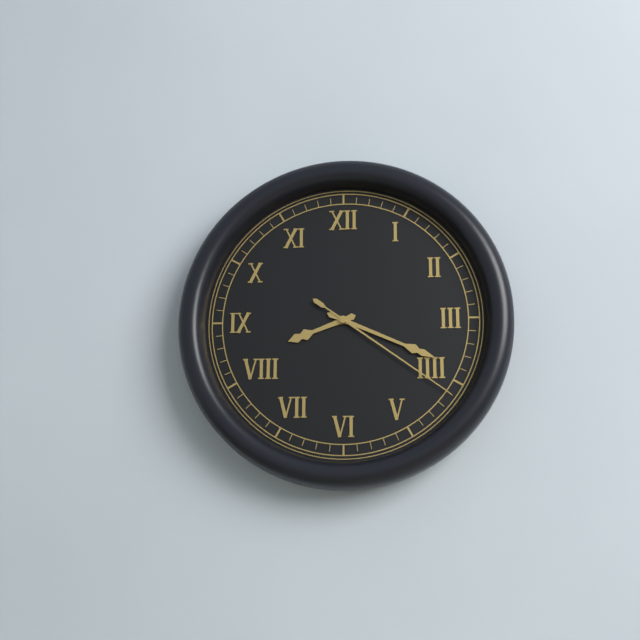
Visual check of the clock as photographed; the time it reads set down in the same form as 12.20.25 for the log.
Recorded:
8.19.21
